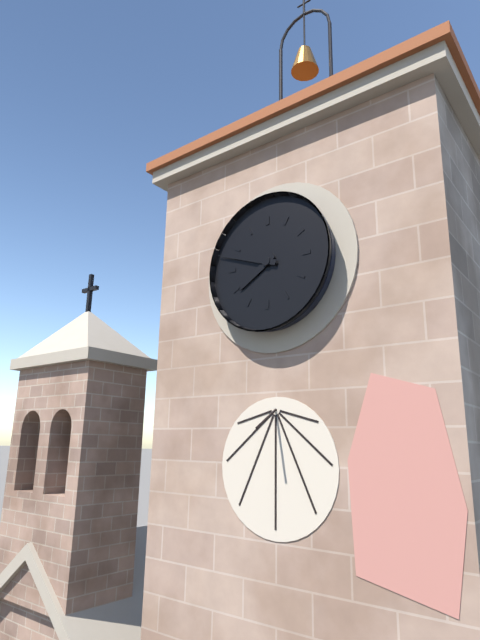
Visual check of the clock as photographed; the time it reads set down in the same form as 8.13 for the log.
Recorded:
7.48
